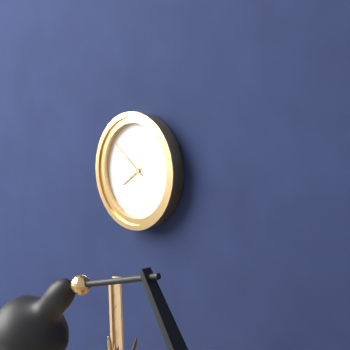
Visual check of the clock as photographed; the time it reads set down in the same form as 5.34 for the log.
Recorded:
7.51
